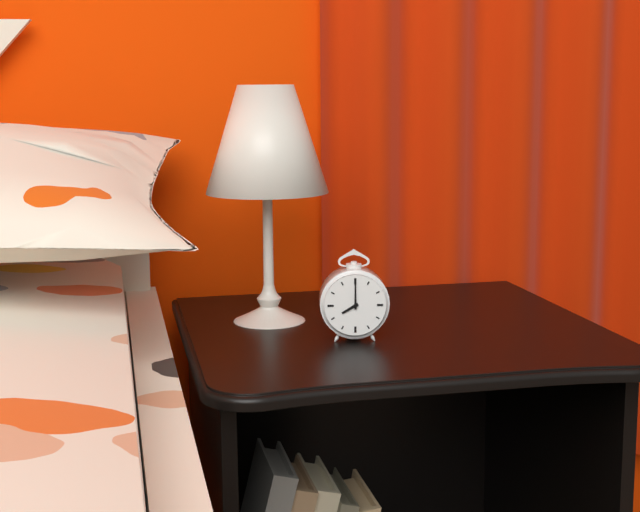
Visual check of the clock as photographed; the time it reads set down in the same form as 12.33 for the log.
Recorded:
8.00
